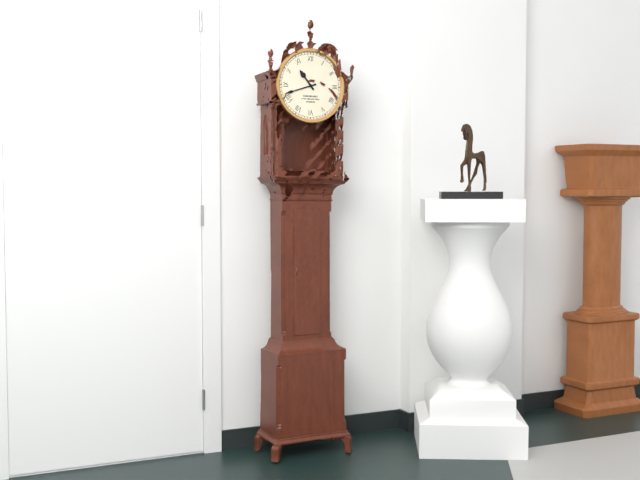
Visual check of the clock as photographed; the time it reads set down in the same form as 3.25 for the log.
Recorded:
10.42
